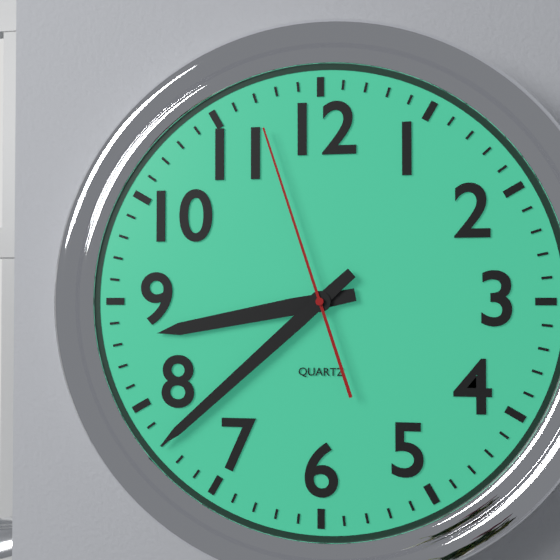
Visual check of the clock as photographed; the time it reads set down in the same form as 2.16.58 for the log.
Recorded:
8.38.57
